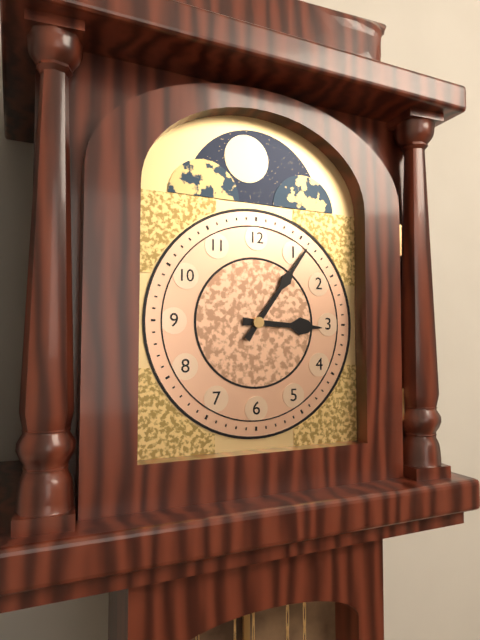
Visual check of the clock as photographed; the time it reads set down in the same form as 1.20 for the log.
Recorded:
3.06
